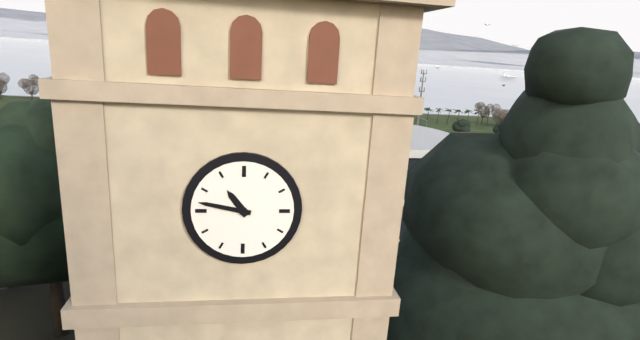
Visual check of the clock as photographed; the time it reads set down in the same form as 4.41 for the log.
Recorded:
10.47
